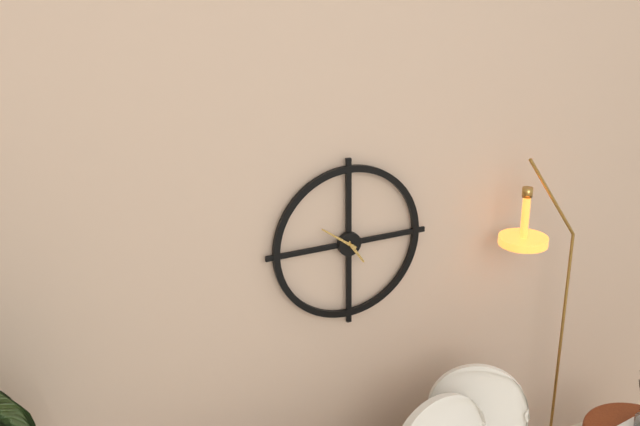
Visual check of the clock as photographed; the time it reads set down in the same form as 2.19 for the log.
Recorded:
4.51
